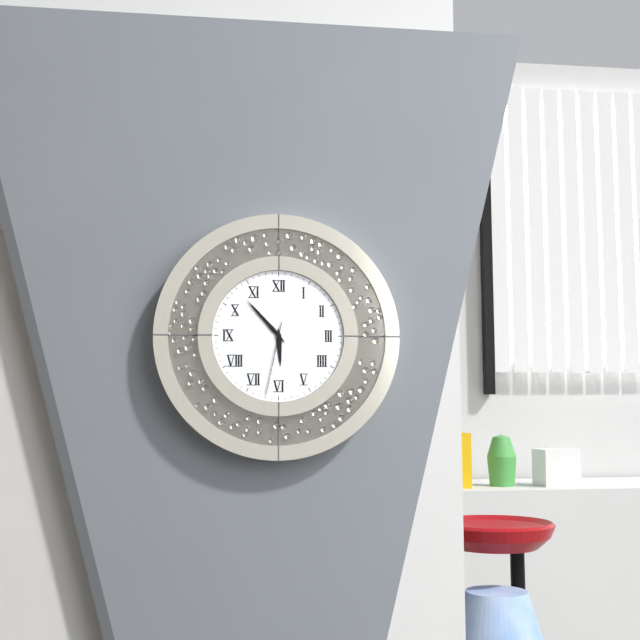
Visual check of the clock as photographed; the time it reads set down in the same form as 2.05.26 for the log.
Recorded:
5.53.32
